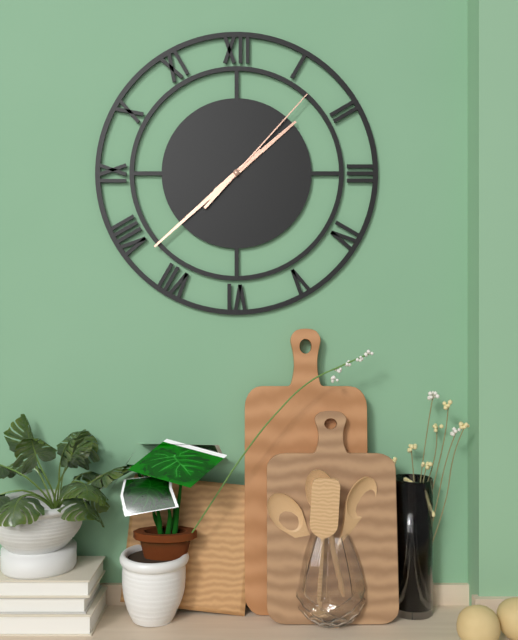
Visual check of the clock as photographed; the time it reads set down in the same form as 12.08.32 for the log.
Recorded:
1.38.07
